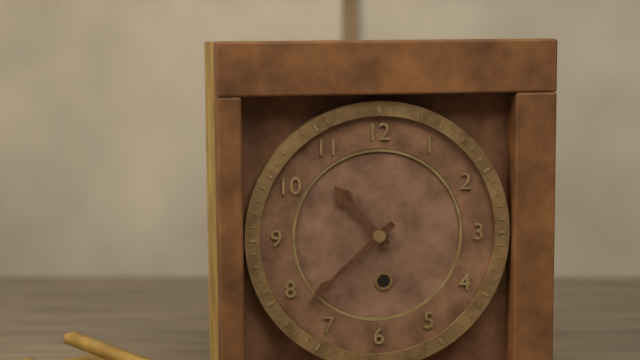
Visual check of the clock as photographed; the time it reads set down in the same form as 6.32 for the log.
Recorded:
10.38
